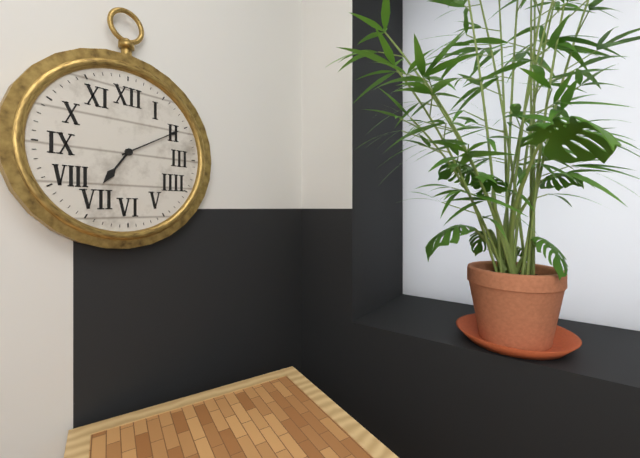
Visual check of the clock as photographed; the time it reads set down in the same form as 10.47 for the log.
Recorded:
7.10
